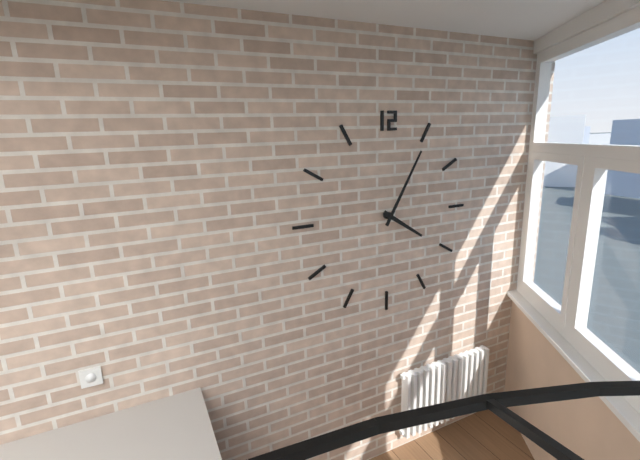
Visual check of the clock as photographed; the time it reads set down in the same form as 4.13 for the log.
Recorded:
4.05
